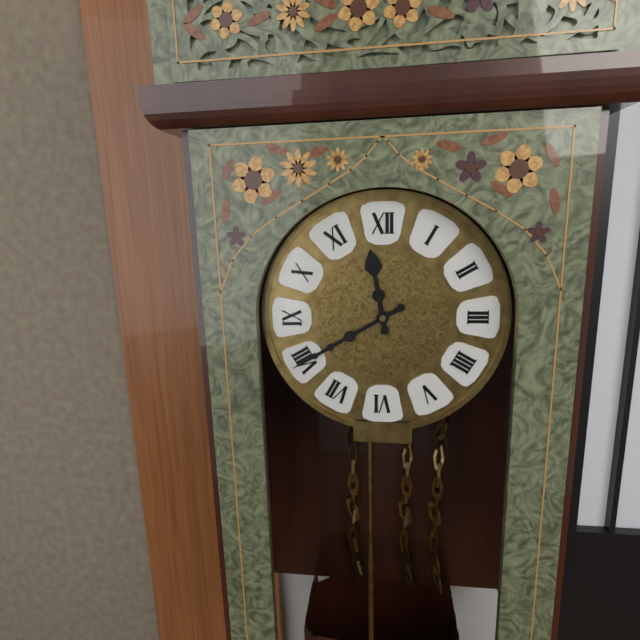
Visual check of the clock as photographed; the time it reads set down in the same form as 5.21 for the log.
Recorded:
11.40
